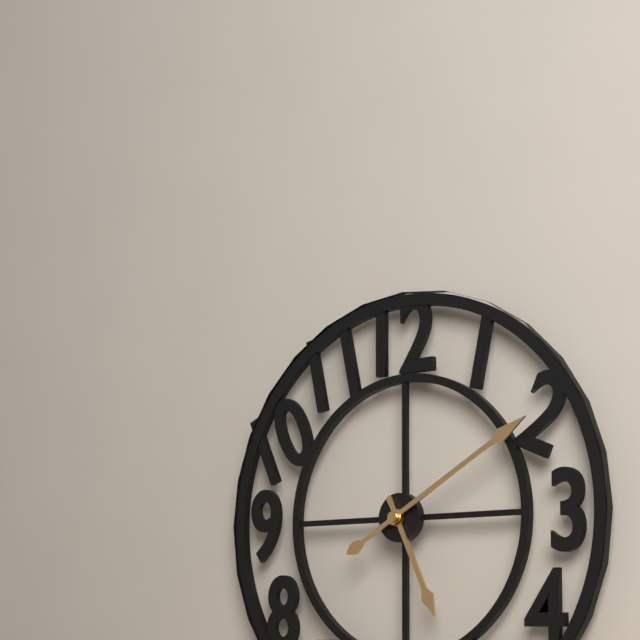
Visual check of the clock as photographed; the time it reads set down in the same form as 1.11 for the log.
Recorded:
5.10
